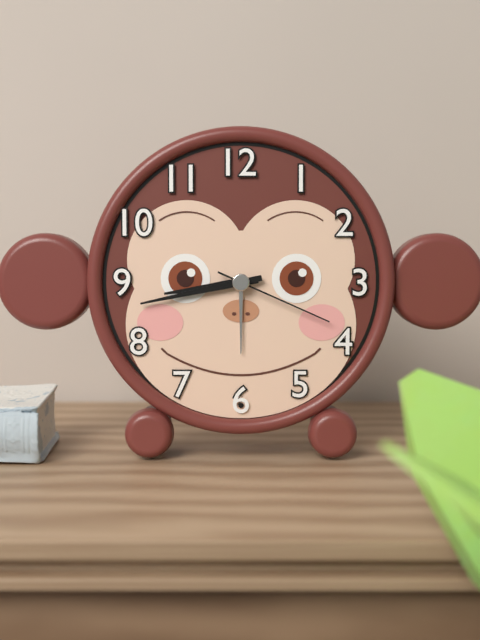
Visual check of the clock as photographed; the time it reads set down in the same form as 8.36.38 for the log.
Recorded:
8.43.19
